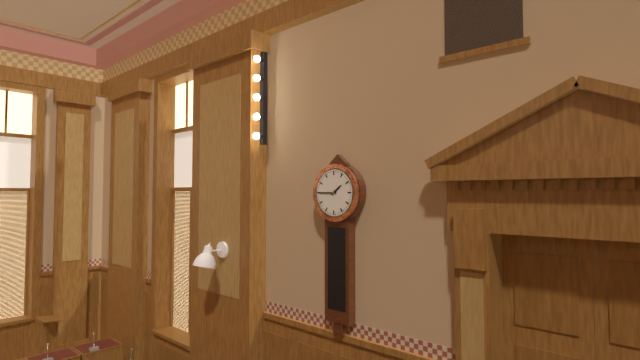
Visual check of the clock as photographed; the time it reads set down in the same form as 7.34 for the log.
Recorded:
1.45
